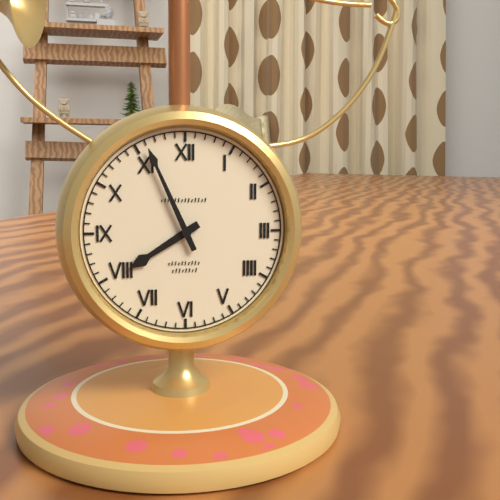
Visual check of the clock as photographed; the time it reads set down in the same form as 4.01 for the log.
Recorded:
7.56
